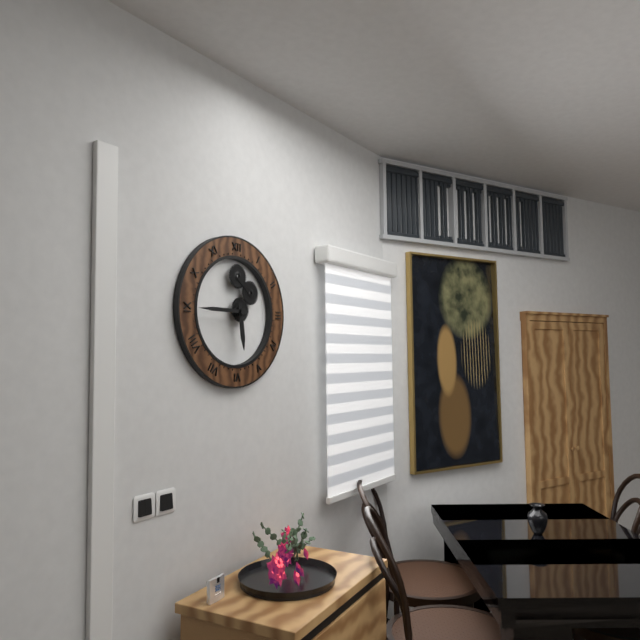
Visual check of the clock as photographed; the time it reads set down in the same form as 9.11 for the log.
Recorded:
5.45
